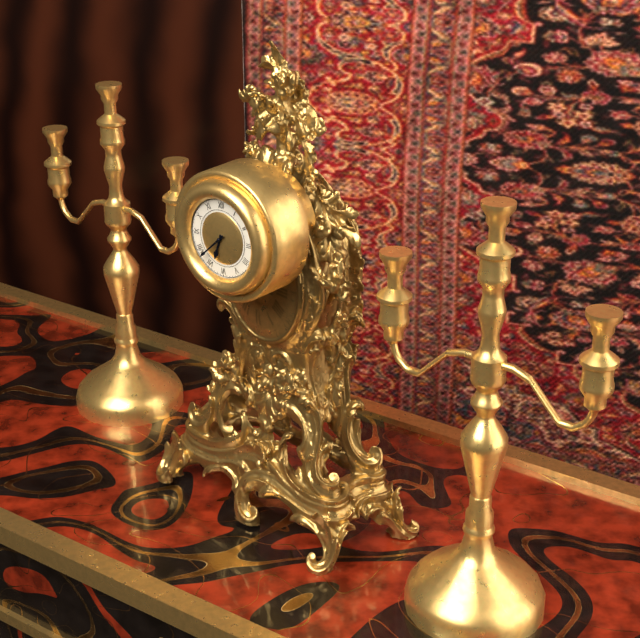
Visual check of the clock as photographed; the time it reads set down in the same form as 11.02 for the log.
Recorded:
6.38
